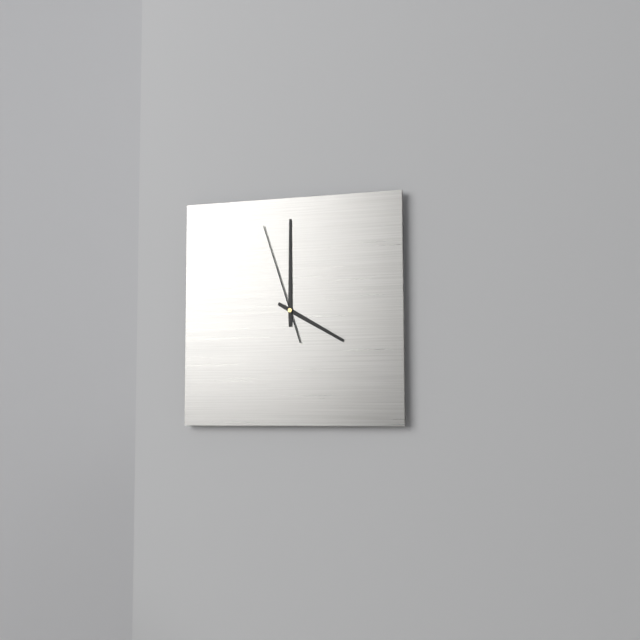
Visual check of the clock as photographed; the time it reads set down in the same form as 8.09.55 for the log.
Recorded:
4.00.57
